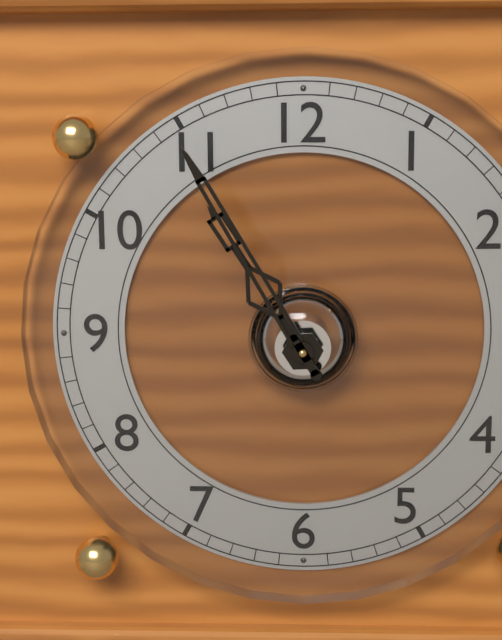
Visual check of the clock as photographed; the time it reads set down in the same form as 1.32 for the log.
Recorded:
10.55
